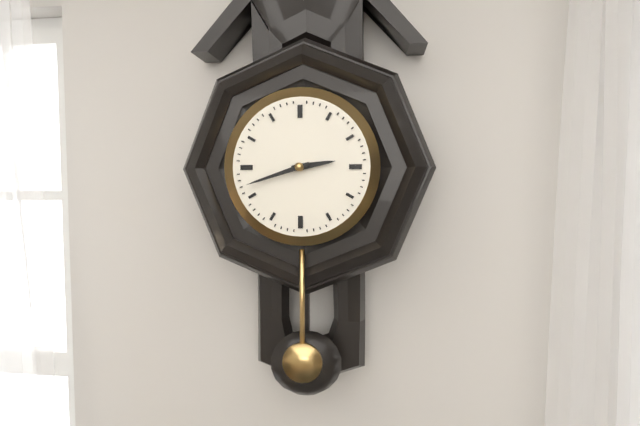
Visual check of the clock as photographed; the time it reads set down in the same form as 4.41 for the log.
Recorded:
2.42
